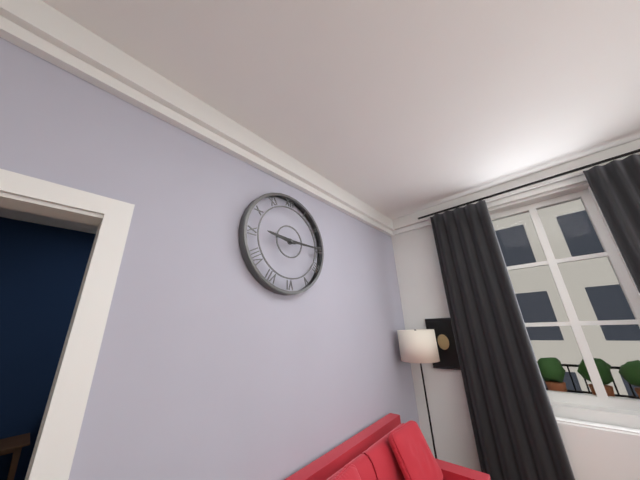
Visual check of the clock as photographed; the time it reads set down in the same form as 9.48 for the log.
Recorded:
9.15
